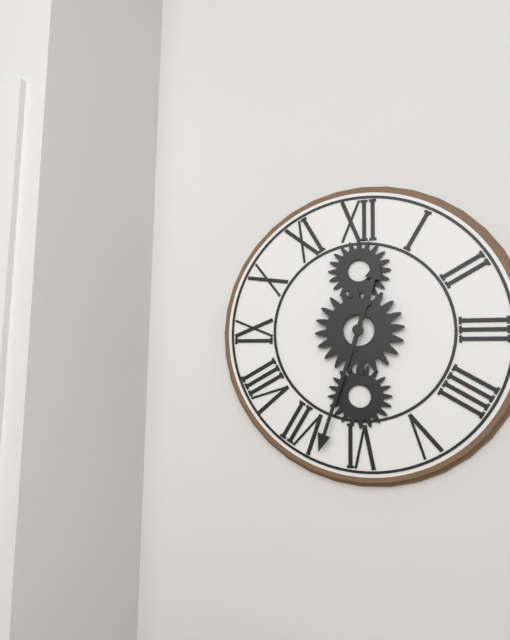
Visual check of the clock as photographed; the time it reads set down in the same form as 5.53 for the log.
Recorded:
12.33
